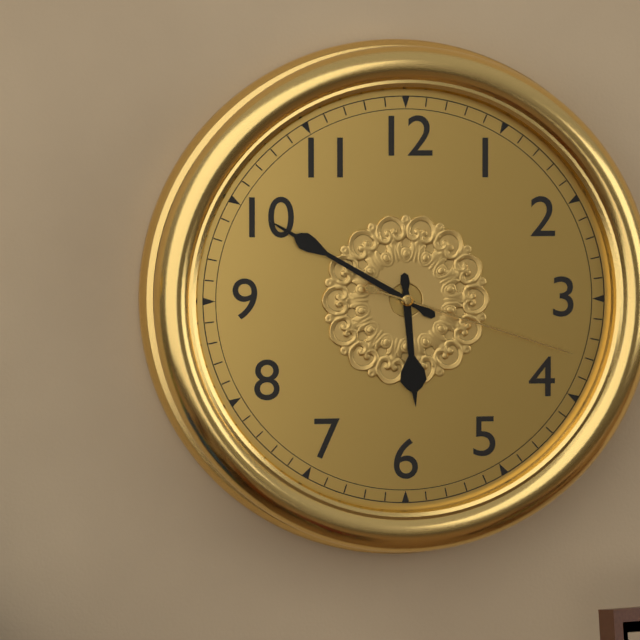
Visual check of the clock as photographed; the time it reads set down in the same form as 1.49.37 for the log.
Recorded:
5.50.18
